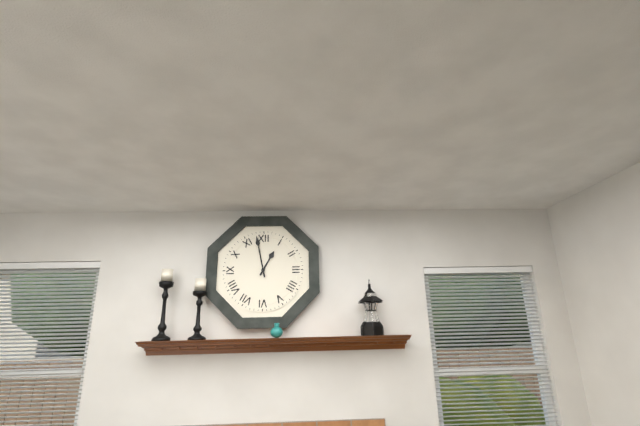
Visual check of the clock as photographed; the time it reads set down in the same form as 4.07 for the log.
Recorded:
12.58
